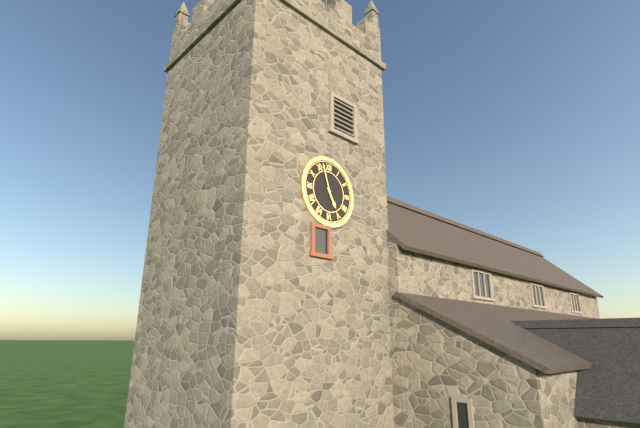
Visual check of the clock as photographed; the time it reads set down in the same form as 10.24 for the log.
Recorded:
4.57
